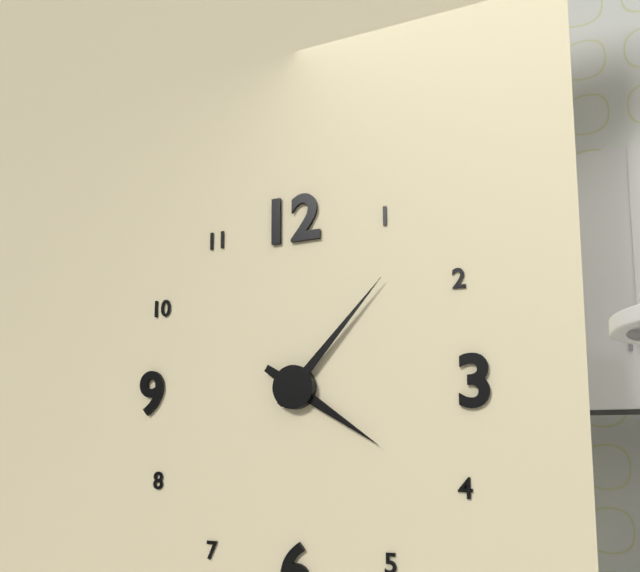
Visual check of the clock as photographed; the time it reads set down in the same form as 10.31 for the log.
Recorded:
4.07
